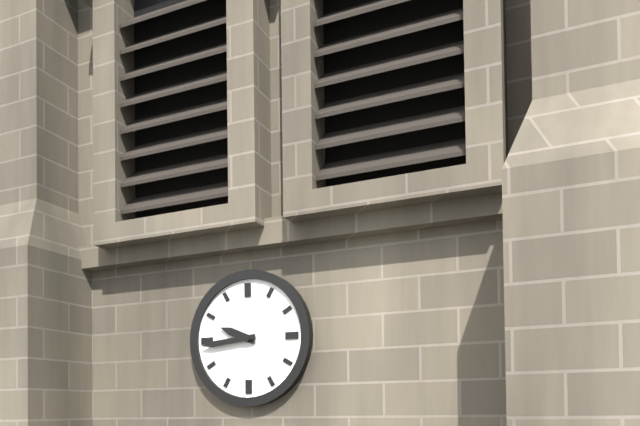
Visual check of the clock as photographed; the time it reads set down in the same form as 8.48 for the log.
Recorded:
9.44
